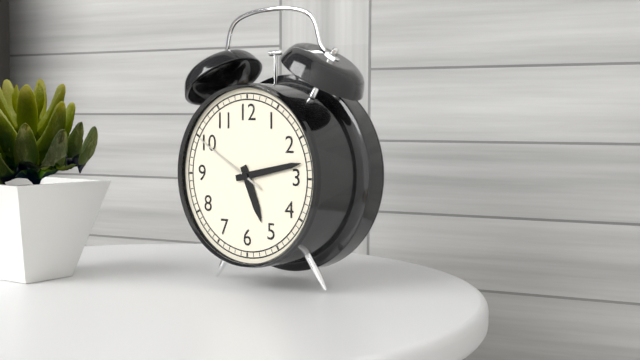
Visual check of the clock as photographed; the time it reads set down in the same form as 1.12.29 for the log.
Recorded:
5.13.50
